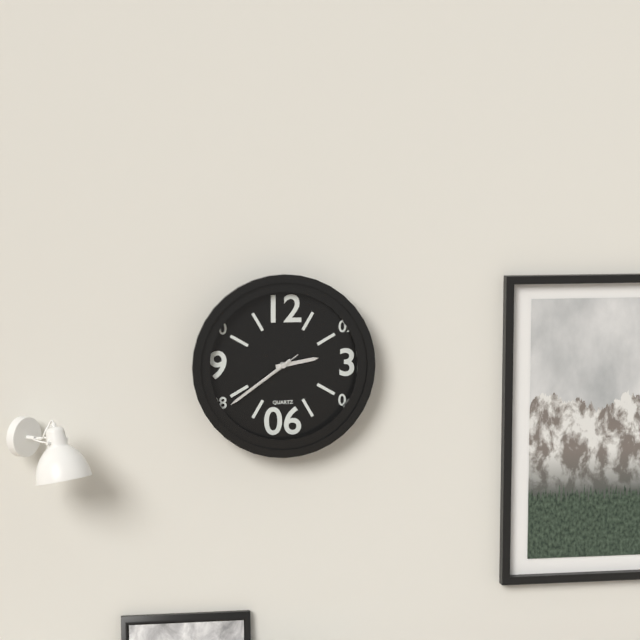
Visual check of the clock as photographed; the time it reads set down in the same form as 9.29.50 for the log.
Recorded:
2.39.39
